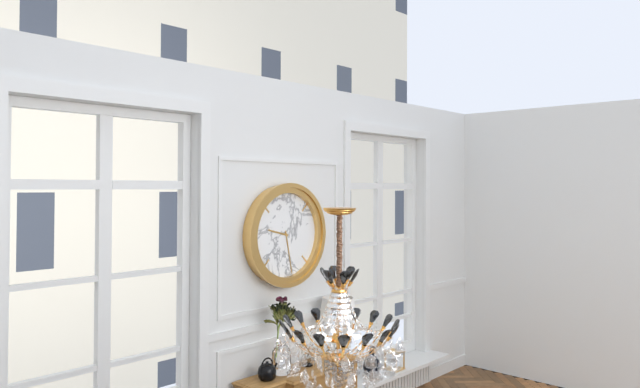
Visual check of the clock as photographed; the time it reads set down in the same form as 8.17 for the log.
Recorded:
9.28
